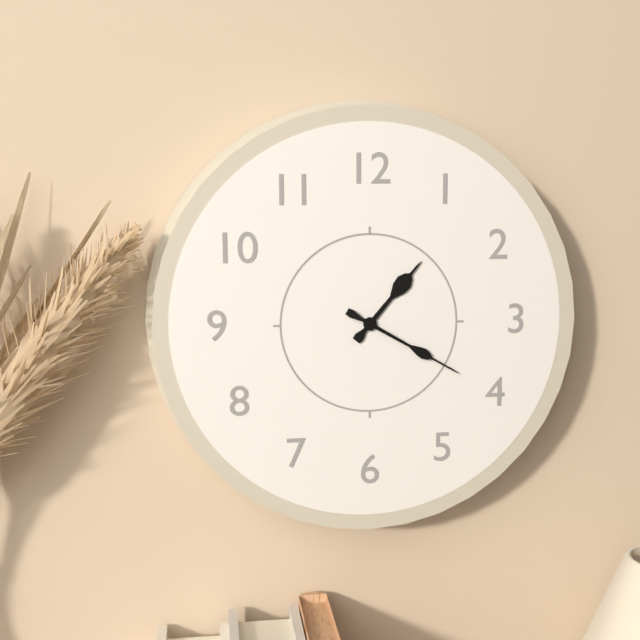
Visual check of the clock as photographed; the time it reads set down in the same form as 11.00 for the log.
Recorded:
1.20
